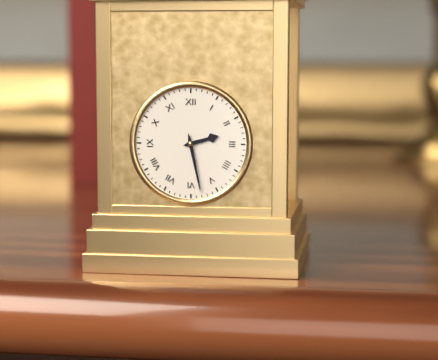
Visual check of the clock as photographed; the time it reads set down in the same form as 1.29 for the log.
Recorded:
2.28
